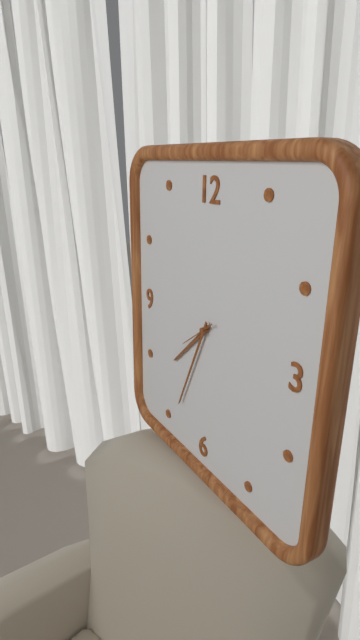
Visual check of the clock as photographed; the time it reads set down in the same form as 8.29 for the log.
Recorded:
7.34
